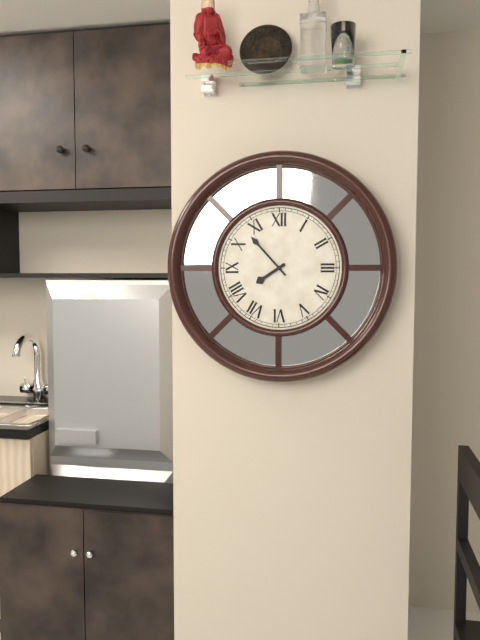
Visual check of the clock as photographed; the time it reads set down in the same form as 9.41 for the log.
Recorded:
7.53
